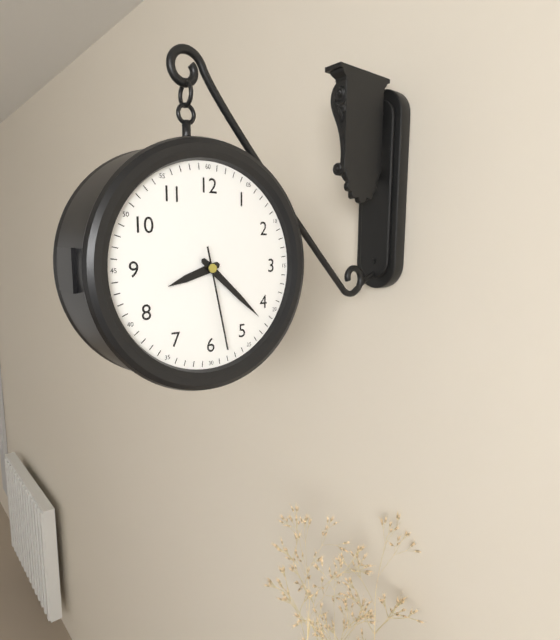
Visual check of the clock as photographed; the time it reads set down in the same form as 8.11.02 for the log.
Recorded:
8.22.28
